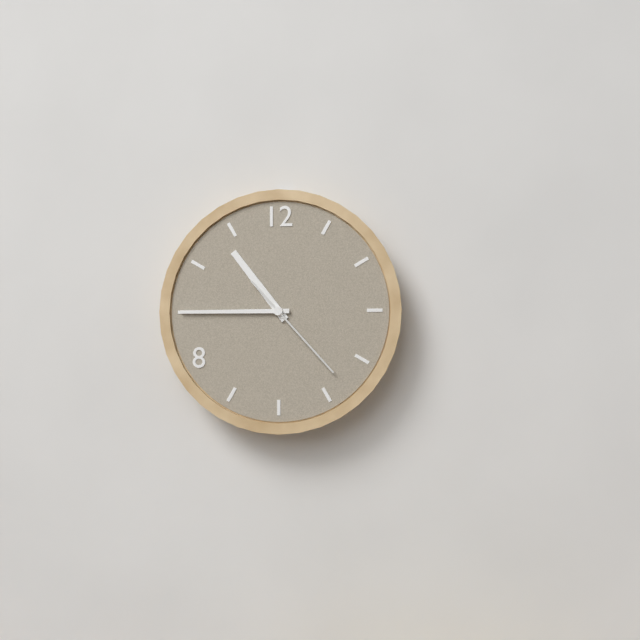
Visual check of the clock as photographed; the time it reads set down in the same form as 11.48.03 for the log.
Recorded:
10.45.23
